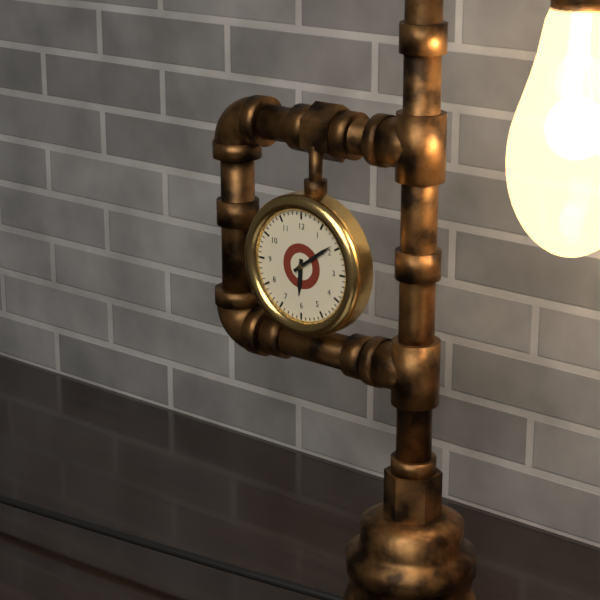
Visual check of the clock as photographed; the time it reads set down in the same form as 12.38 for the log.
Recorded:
6.09
